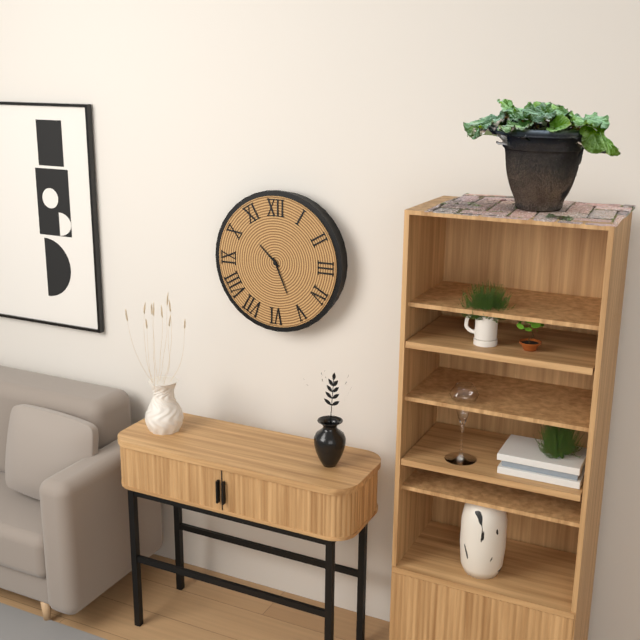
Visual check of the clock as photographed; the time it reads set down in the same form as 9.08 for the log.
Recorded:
10.26
